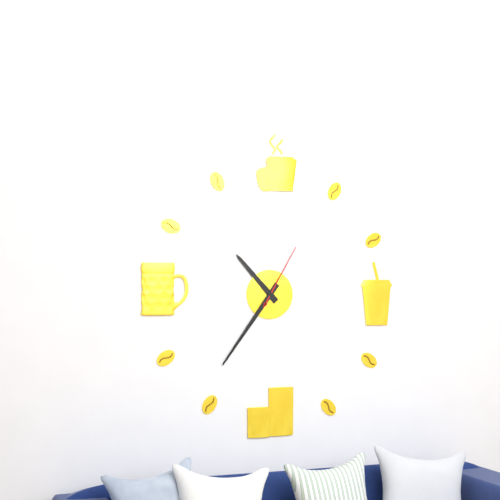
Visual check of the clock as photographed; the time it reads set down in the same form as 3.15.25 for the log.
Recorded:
10.36.05
